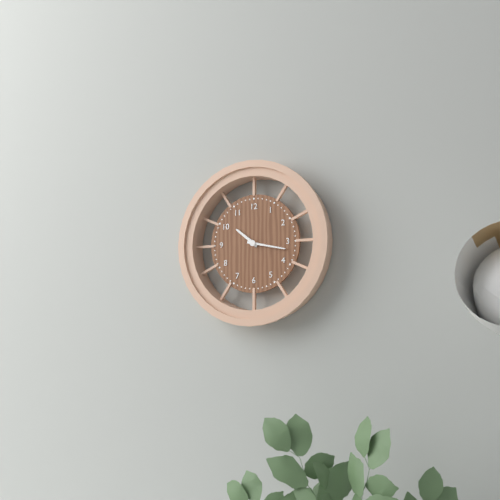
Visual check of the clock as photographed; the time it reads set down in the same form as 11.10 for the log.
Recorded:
10.17
